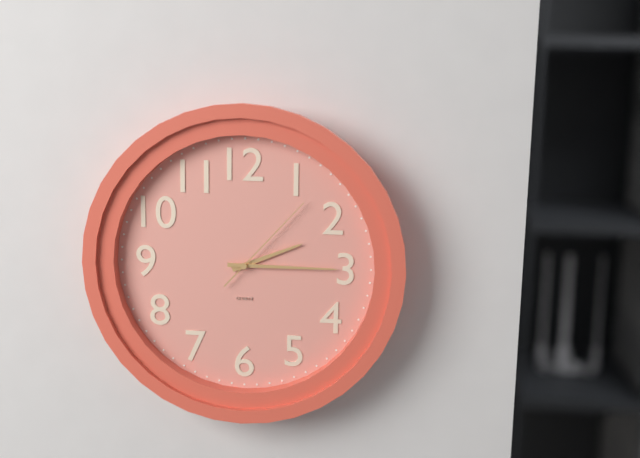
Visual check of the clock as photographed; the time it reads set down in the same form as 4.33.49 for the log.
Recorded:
2.15.07
